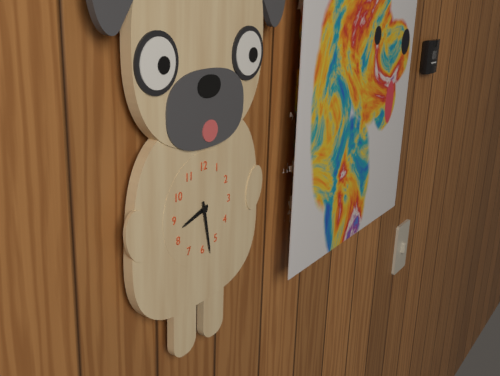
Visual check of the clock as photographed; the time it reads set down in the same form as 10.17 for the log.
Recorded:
8.28
